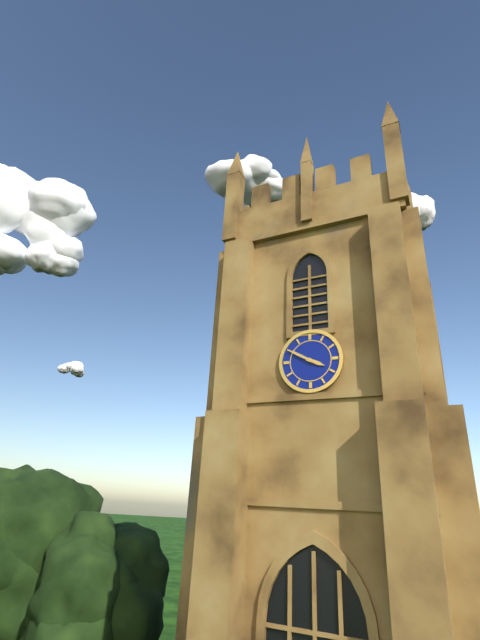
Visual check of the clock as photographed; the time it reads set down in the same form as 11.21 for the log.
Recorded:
3.50
